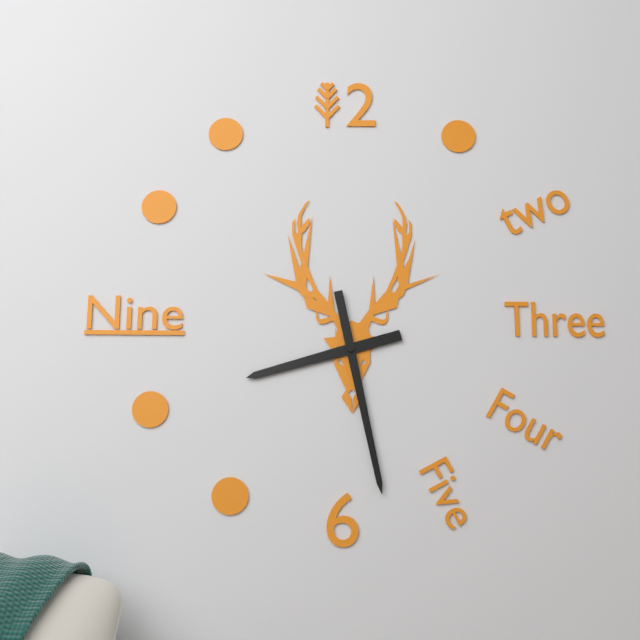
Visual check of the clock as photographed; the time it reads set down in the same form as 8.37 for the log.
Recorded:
8.28
